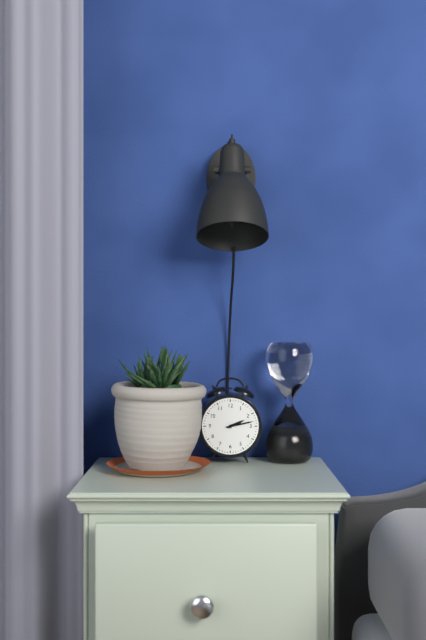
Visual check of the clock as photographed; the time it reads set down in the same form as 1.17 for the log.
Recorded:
2.13
